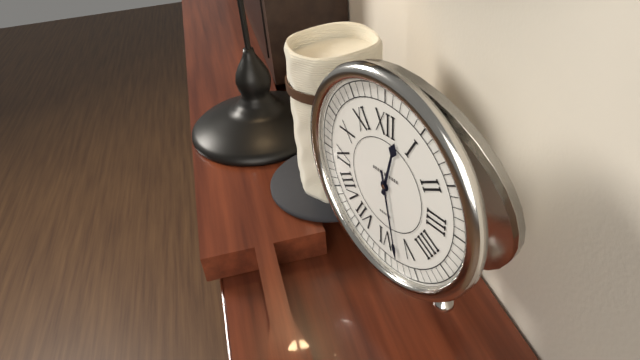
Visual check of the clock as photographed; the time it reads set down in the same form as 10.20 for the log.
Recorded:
12.28
